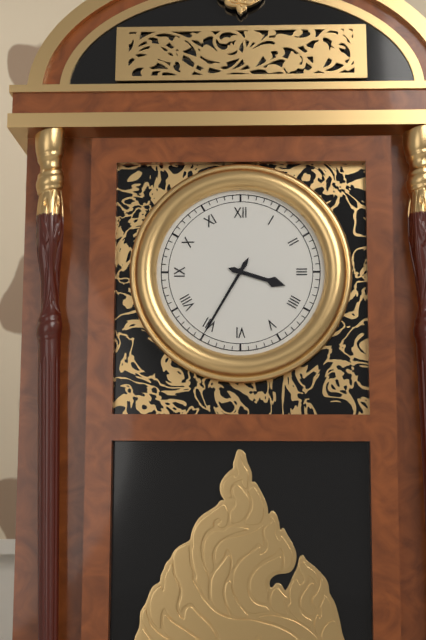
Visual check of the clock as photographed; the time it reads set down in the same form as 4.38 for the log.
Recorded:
3.35
